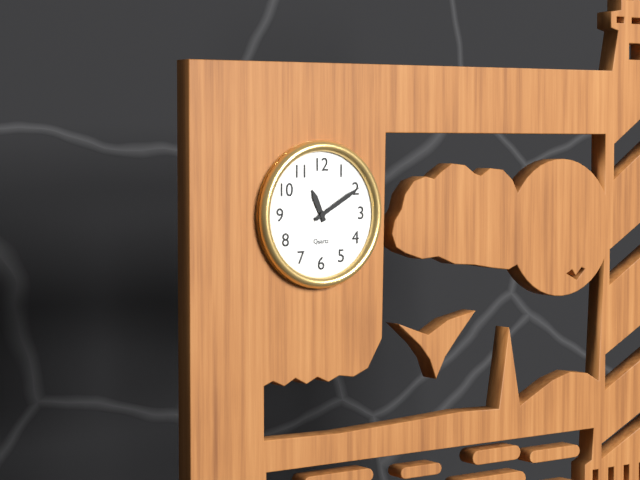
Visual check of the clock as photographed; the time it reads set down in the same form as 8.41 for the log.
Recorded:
11.10
